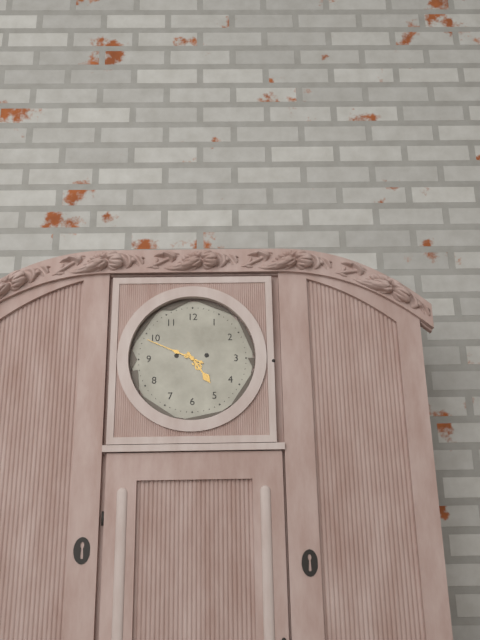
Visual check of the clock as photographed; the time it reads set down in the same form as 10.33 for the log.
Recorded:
4.49
